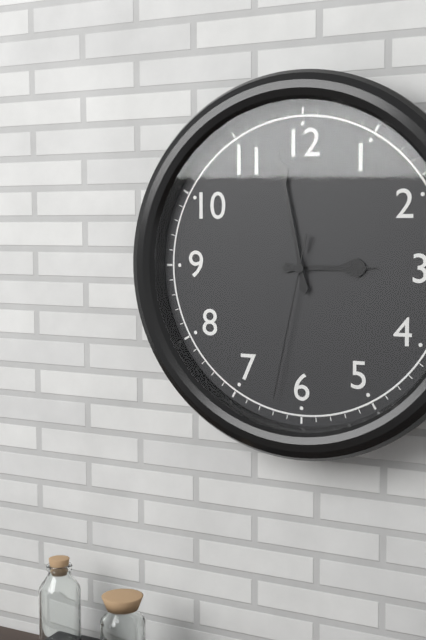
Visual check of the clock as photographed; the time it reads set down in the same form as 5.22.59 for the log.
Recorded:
2.58.32
